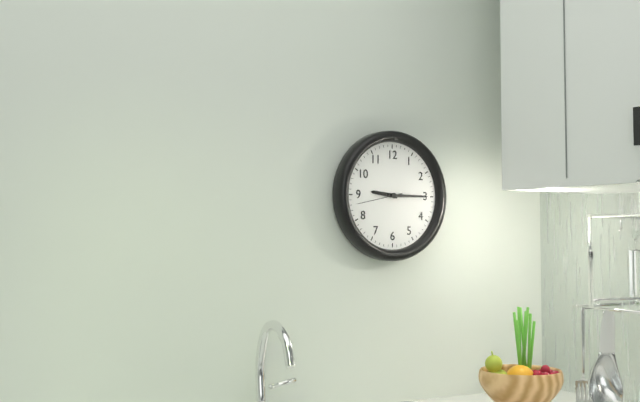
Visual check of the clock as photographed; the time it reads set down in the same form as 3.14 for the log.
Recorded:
9.15
